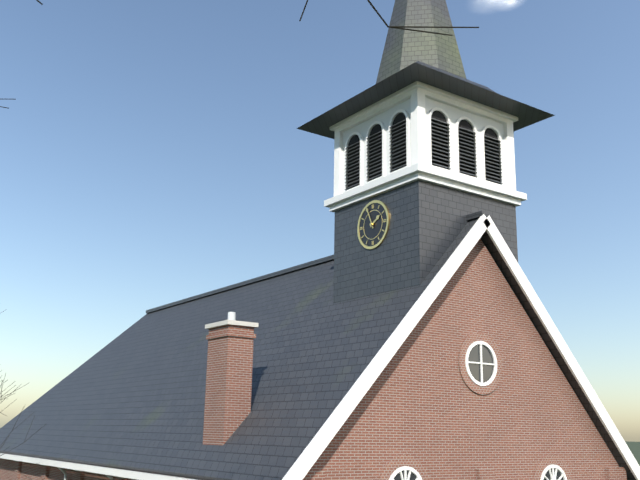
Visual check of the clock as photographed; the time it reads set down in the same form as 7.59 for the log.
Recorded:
1.56
